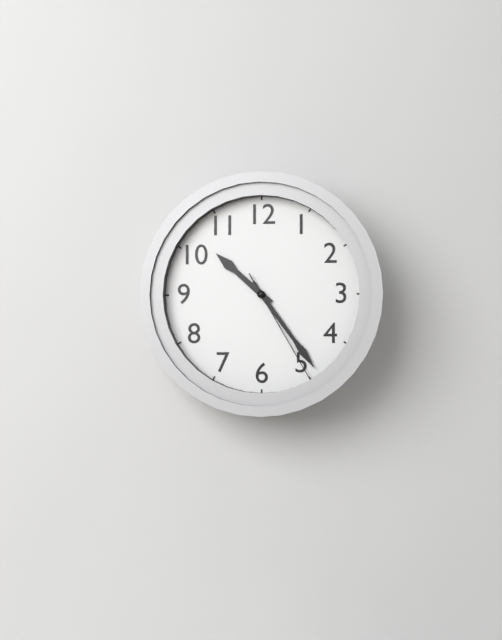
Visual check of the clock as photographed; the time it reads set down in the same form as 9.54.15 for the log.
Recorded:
10.24.25
